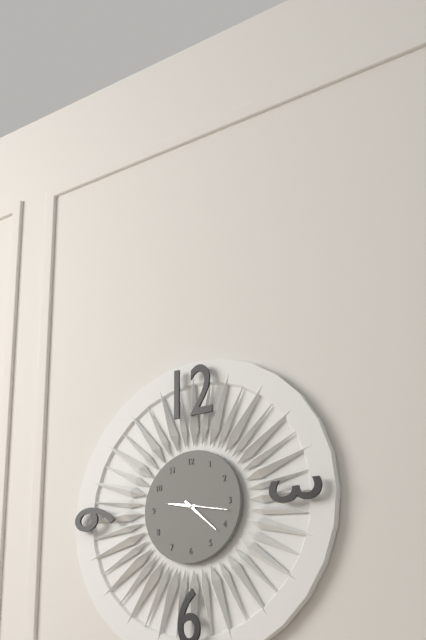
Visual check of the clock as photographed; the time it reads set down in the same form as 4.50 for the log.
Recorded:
9.22
